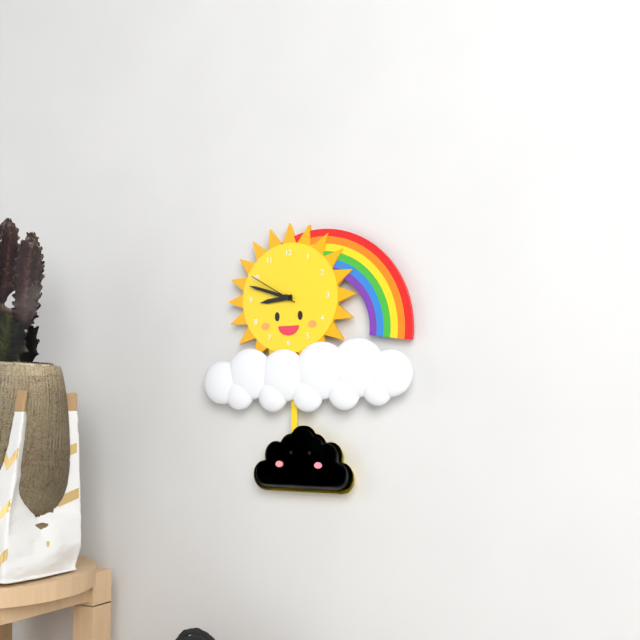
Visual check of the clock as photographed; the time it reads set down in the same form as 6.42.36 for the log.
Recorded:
8.48.50
